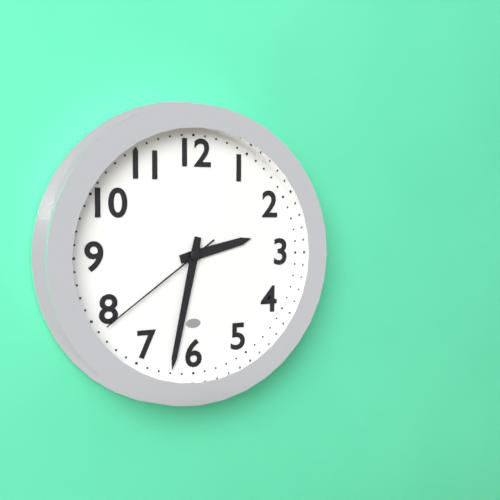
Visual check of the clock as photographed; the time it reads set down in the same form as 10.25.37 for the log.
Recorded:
2.32.39
